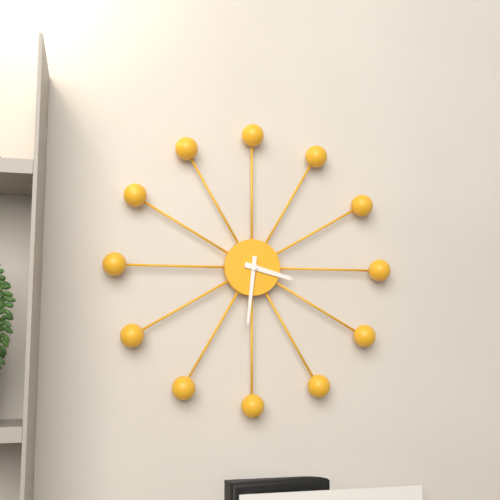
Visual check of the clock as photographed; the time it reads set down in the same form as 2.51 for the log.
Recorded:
3.31
